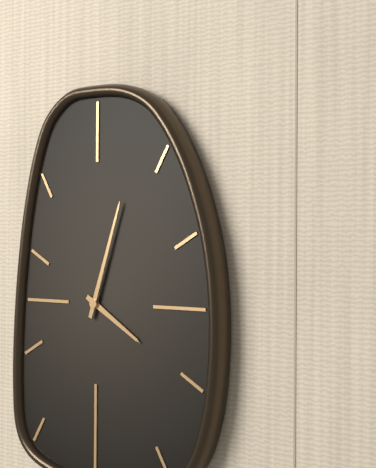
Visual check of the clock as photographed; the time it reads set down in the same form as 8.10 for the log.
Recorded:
4.03
